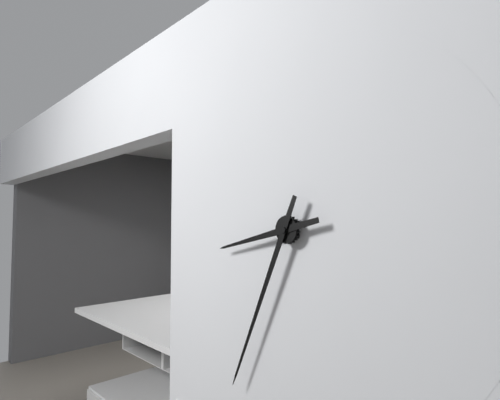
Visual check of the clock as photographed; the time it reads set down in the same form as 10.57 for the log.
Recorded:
8.34
